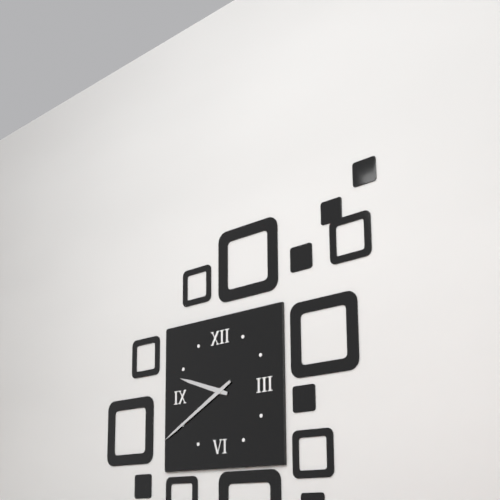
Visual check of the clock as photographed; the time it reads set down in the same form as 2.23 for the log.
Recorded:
9.40
